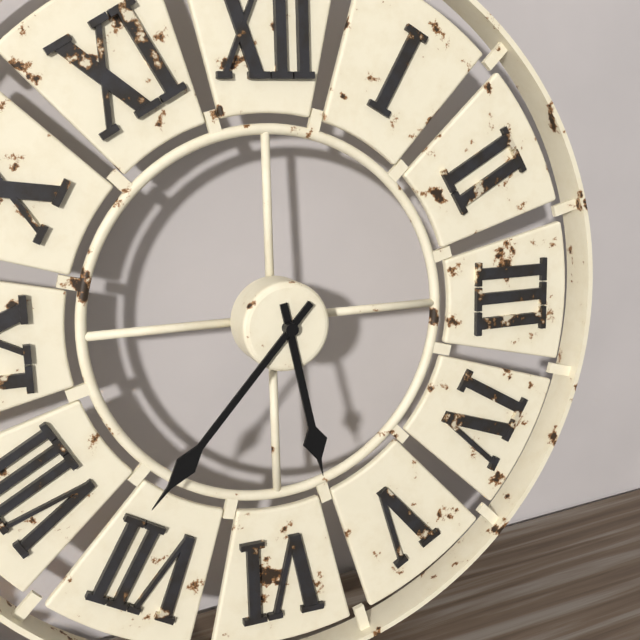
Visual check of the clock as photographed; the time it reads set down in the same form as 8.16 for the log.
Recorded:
5.37
